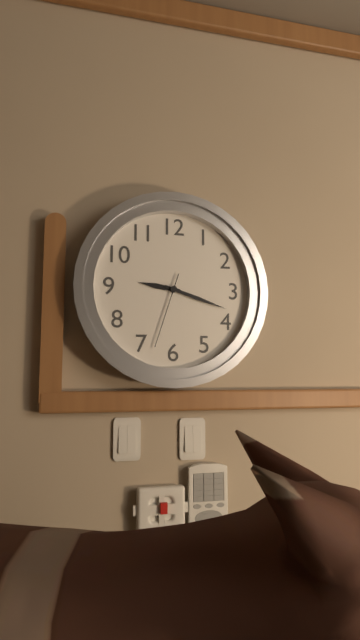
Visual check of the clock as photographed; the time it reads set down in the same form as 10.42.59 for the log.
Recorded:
9.18.33
